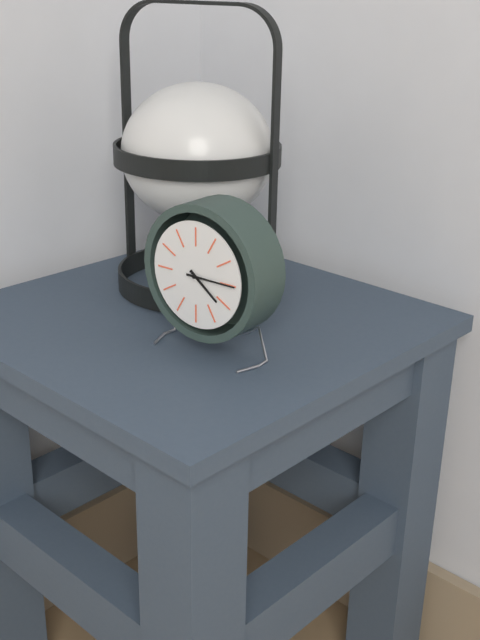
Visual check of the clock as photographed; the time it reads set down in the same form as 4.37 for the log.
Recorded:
4.15
